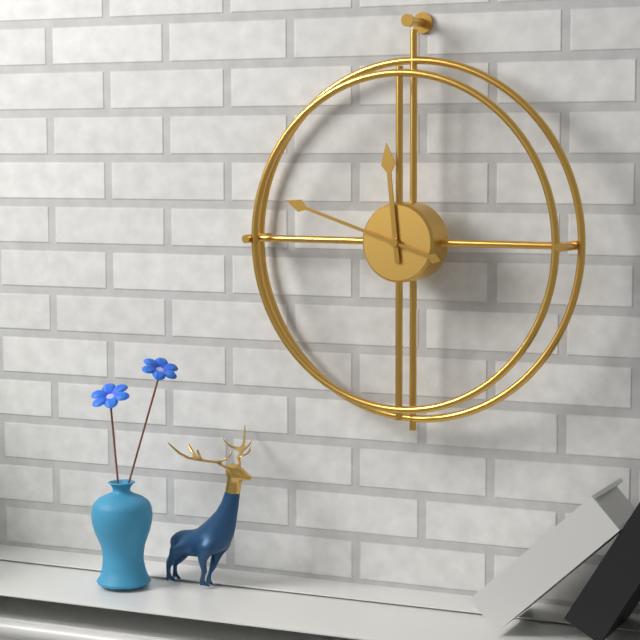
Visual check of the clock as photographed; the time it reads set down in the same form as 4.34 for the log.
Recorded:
11.48
